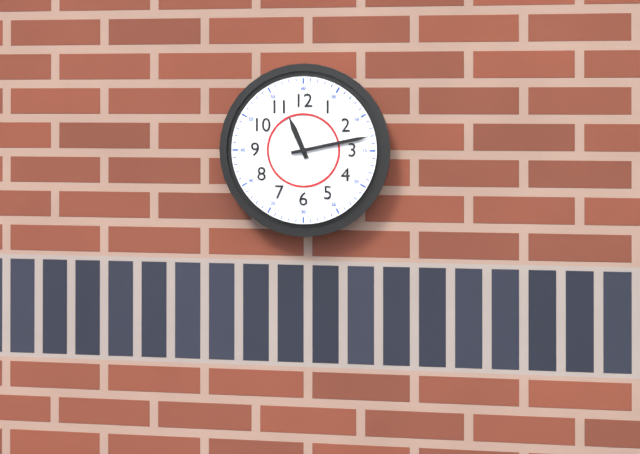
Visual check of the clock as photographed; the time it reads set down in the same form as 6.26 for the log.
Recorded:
11.13
